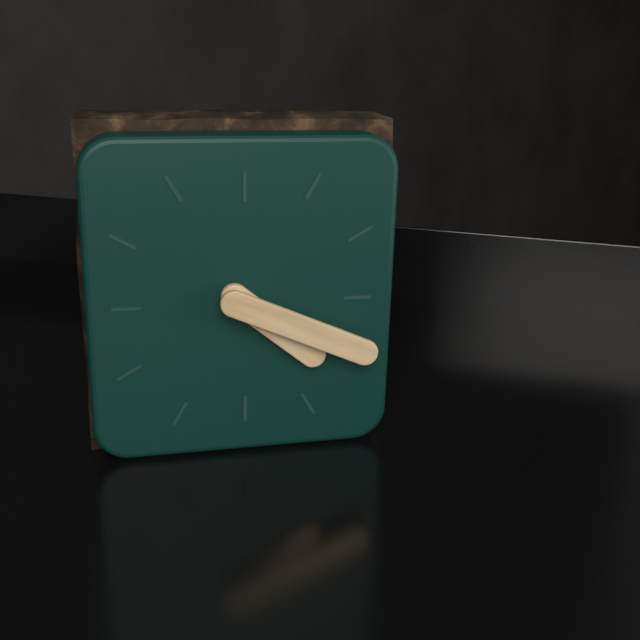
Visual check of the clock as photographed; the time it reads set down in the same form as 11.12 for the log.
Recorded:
4.19
